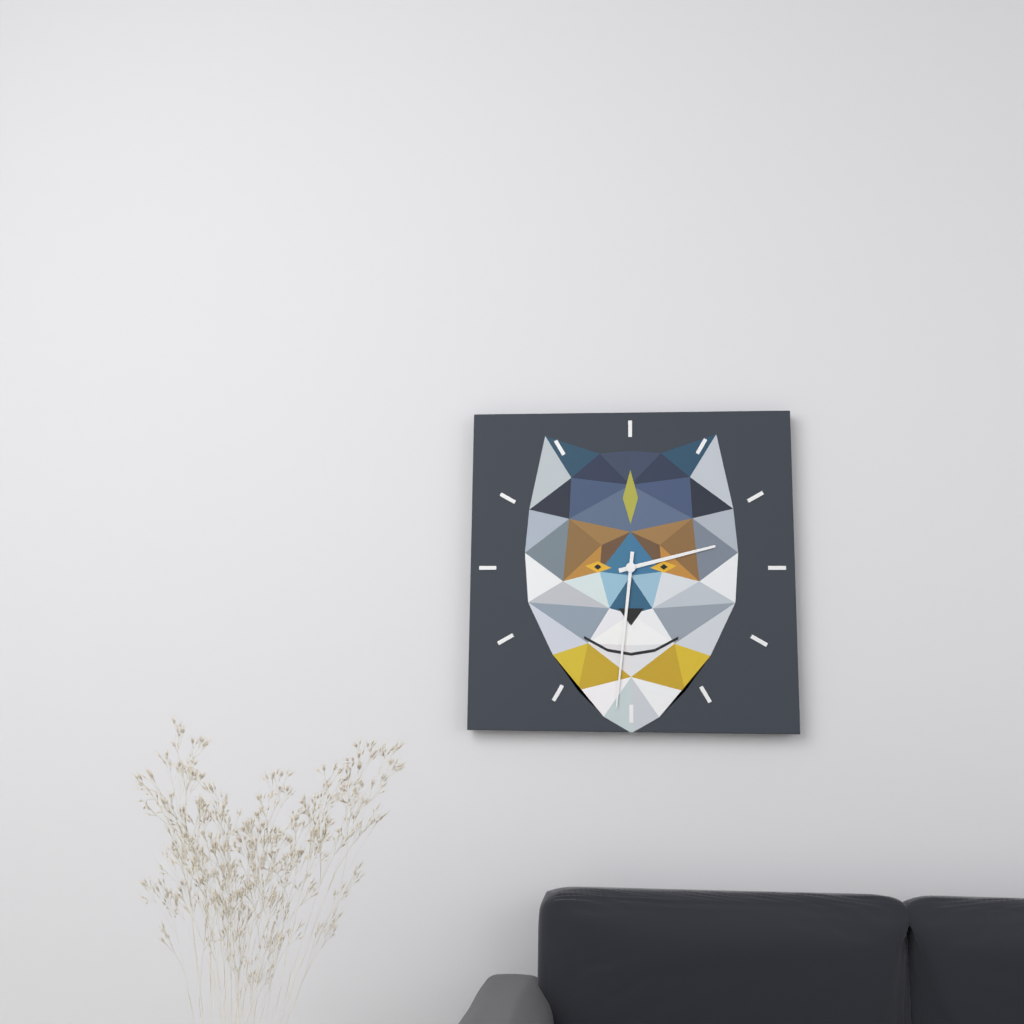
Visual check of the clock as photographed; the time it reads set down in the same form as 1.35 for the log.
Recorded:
2.31
